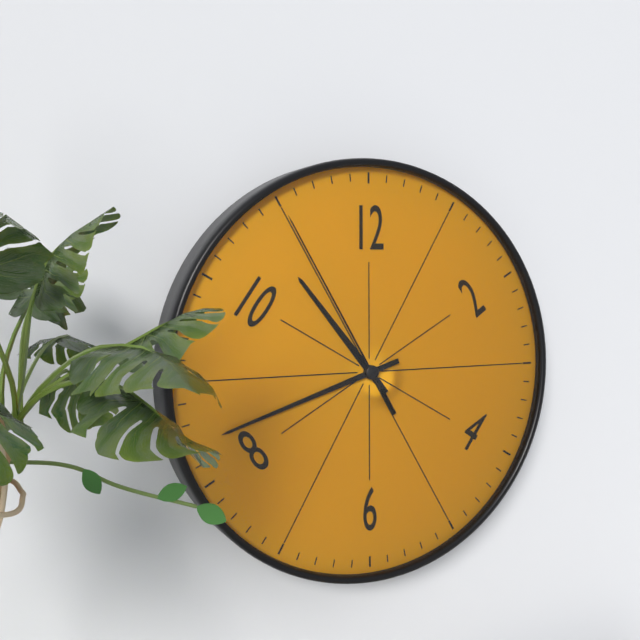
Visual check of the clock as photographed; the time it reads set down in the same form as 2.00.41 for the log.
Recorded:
10.42.55
